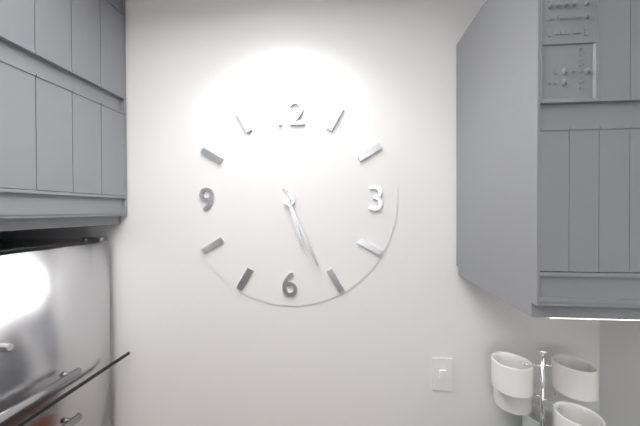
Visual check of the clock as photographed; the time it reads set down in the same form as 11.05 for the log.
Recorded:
5.26
